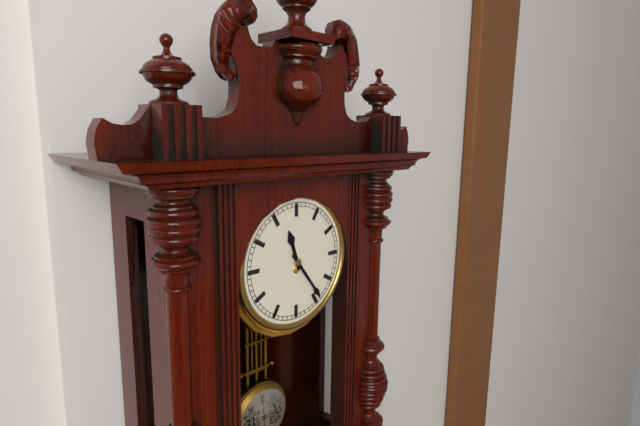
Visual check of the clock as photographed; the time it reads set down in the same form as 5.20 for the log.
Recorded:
11.24
